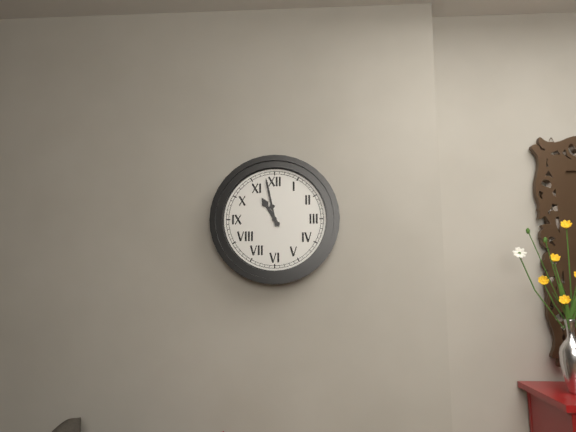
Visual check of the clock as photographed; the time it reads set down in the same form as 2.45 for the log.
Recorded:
10.58
